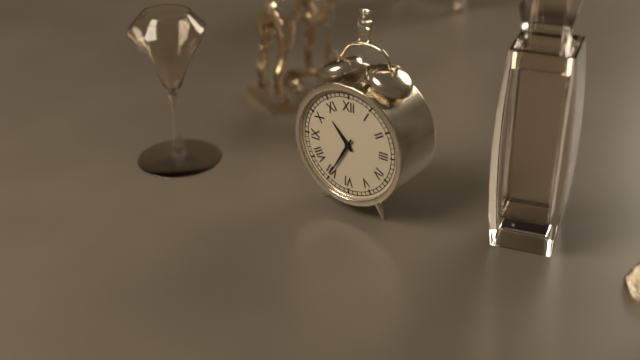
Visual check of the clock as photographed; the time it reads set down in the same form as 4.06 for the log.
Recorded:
10.35
